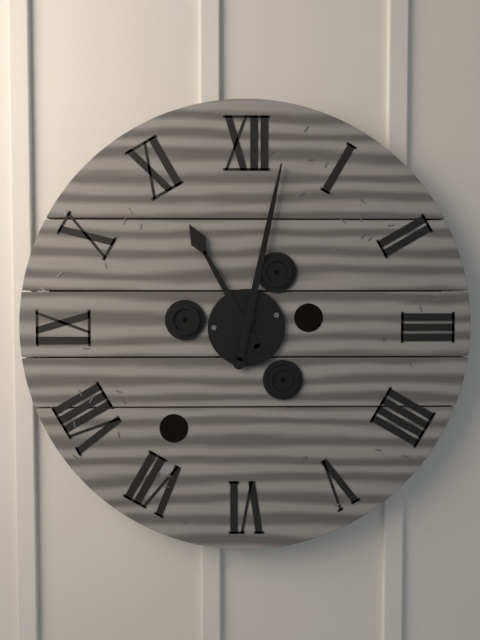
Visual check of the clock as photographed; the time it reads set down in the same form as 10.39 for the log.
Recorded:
11.02
